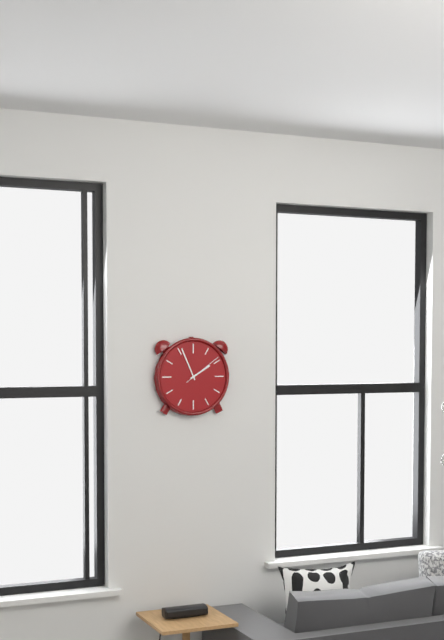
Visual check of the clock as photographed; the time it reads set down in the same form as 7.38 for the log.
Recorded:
1.56
